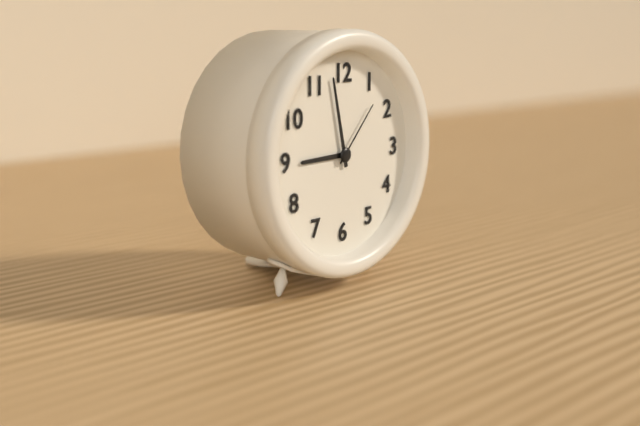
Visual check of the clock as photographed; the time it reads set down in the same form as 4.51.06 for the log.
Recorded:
8.58.07
